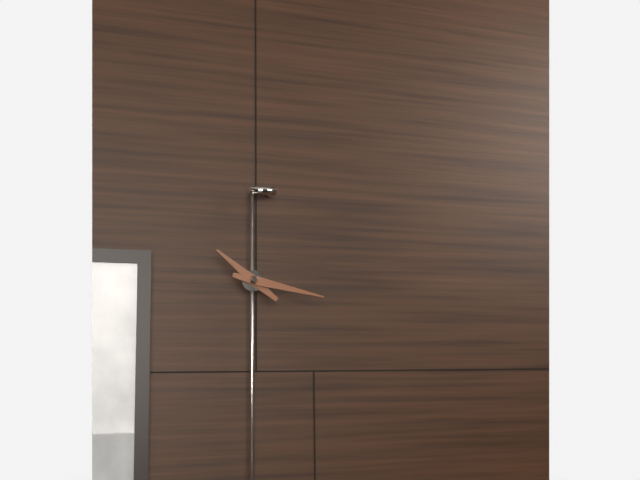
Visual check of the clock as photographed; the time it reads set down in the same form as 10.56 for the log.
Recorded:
10.17
